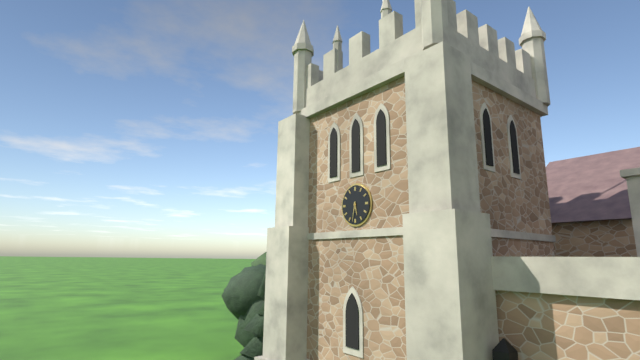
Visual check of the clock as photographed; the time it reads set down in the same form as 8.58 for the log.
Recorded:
5.32
